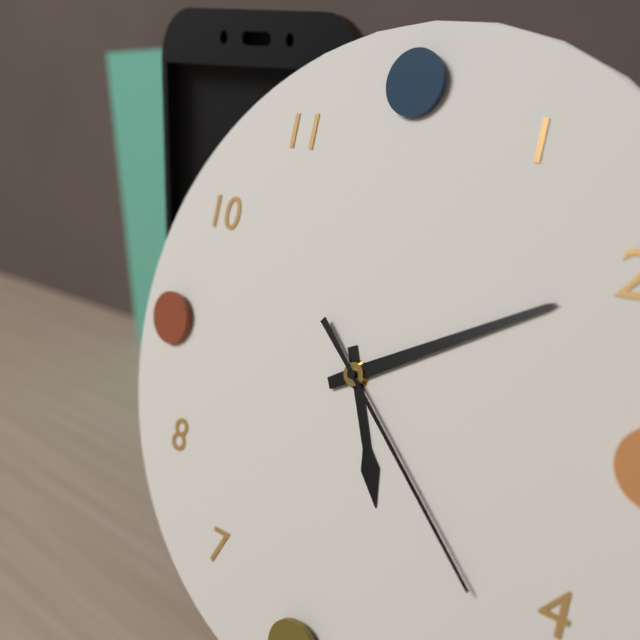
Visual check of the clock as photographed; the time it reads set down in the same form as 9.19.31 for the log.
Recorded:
5.10.22
